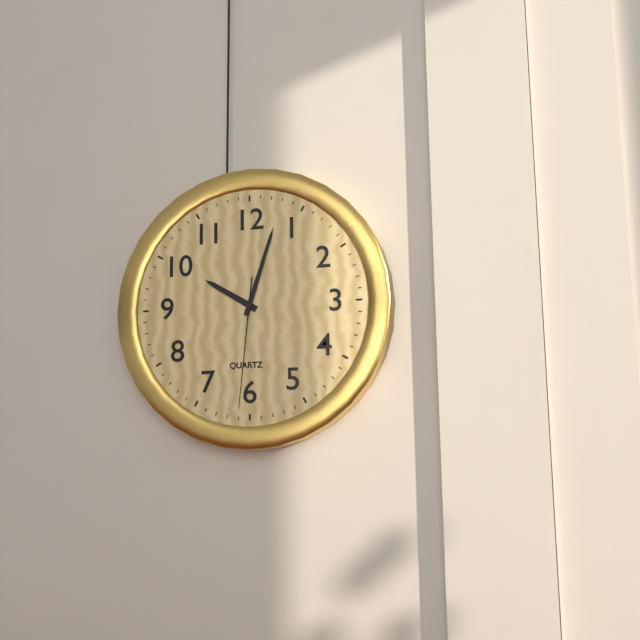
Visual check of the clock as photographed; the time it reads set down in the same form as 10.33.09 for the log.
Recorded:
10.03.31
